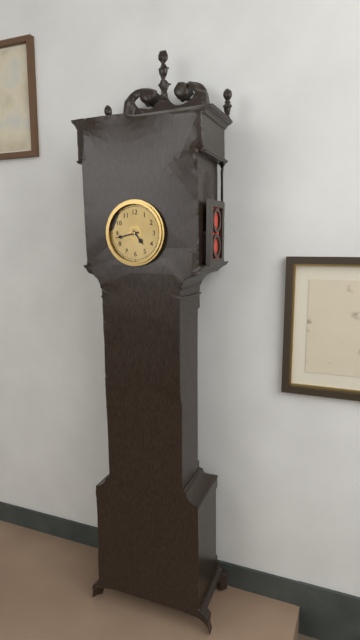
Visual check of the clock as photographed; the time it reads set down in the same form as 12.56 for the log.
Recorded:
4.43
